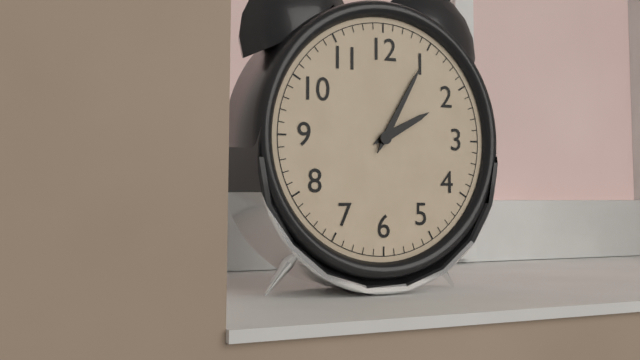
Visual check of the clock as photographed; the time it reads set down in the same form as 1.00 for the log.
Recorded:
2.05
